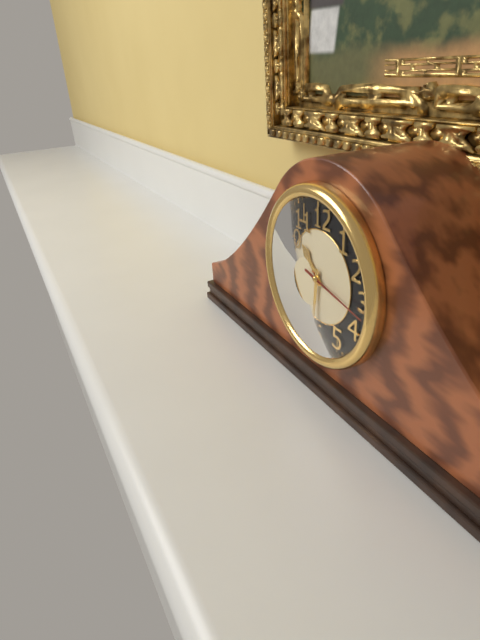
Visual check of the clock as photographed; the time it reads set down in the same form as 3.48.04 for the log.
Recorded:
10.31.17
